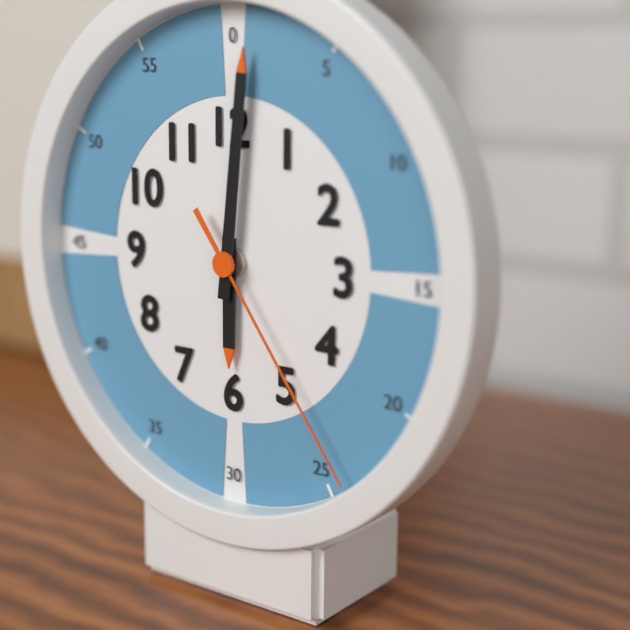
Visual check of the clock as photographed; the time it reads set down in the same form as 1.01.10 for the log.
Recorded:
6.01.24
